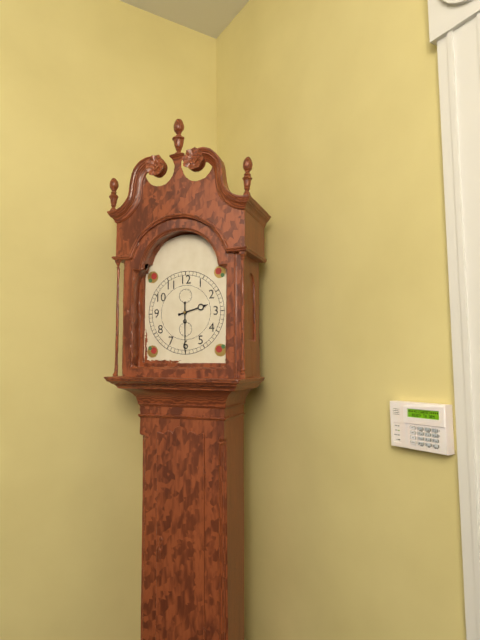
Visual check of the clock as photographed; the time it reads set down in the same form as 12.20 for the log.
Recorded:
2.30
